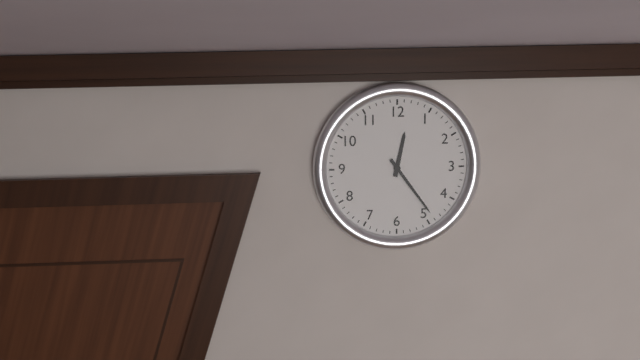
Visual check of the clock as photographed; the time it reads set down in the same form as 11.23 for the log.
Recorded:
12.24
